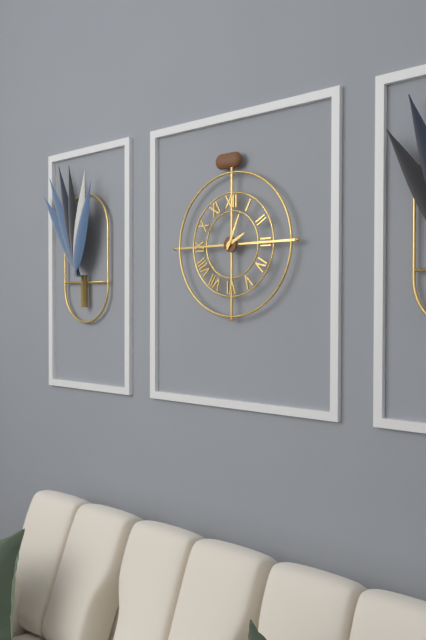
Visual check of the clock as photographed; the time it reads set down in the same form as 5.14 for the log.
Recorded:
2.04
